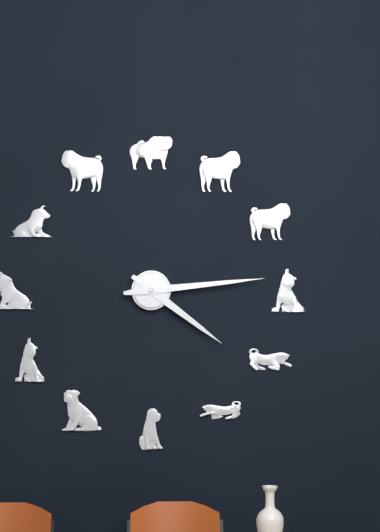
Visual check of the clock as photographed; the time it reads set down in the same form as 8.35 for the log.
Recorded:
4.14
